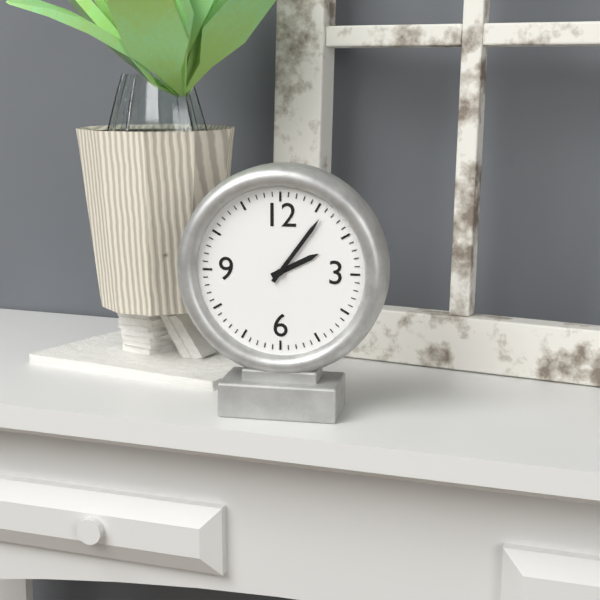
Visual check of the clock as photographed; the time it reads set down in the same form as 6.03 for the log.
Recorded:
2.06
